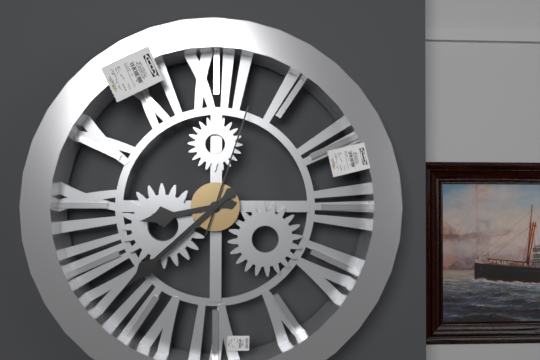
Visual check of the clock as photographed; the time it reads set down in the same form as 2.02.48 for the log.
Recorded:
8.38.03
